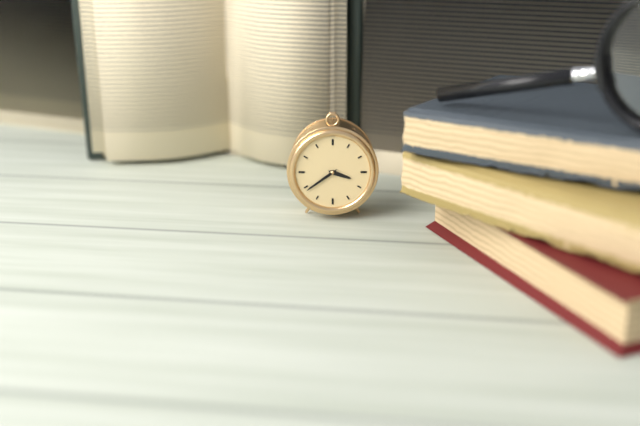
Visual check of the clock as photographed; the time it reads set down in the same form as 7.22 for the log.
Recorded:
3.39
